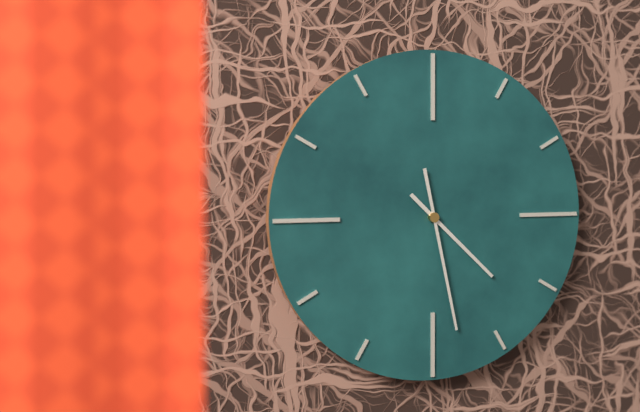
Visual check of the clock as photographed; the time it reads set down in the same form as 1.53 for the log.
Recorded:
4.28
